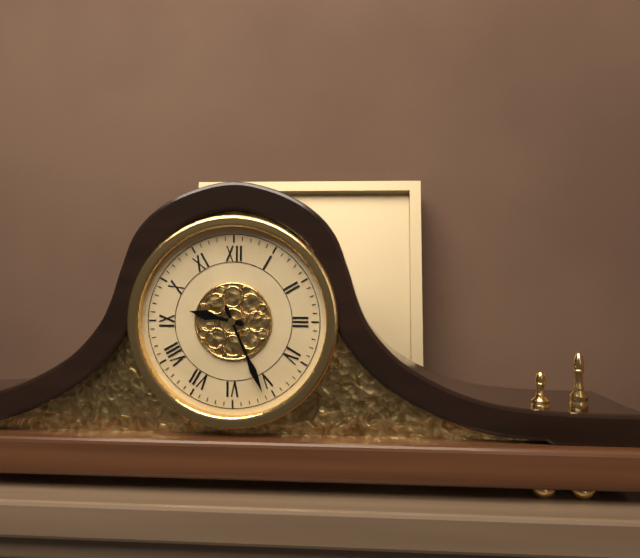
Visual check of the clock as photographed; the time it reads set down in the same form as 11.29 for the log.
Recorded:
9.26
